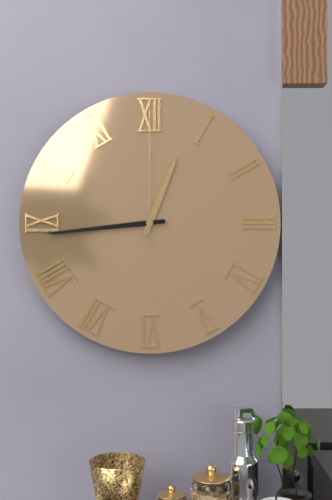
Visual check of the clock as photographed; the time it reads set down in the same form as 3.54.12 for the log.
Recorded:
12.44.00
